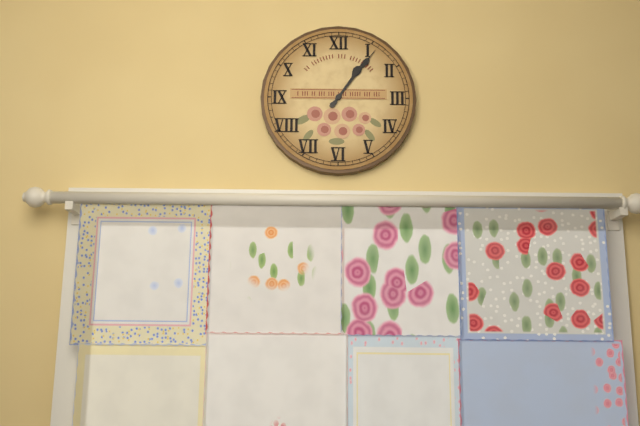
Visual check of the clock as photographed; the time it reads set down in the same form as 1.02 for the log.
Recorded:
1.06
